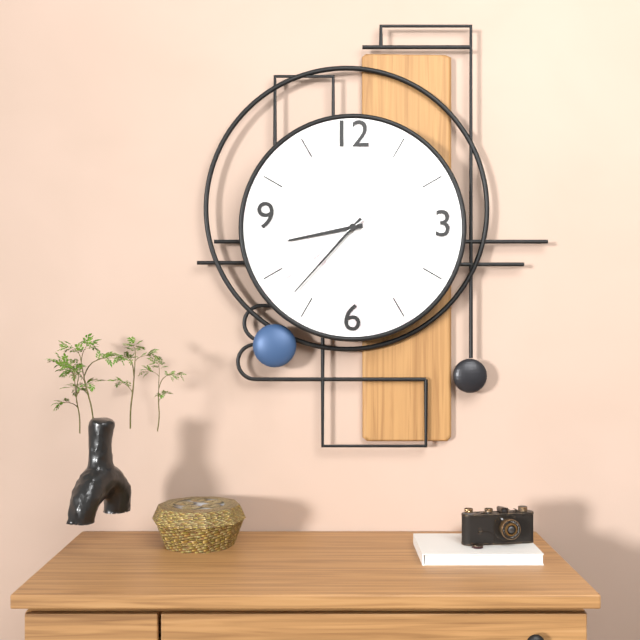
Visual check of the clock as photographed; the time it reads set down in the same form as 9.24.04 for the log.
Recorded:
8.37.39
